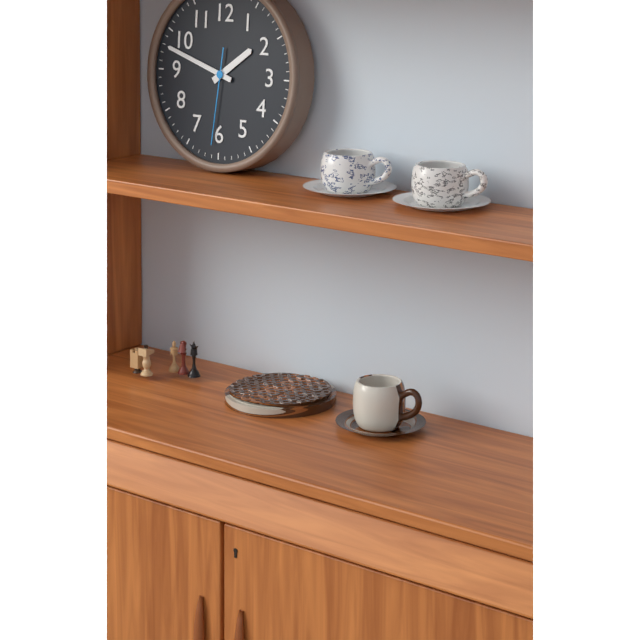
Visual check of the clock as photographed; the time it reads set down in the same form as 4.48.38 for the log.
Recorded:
1.48.31
